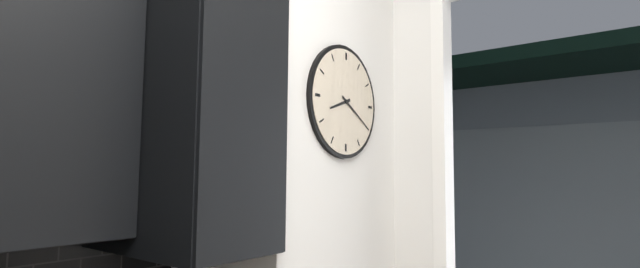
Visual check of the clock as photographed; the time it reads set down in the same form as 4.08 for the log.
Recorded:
8.20
